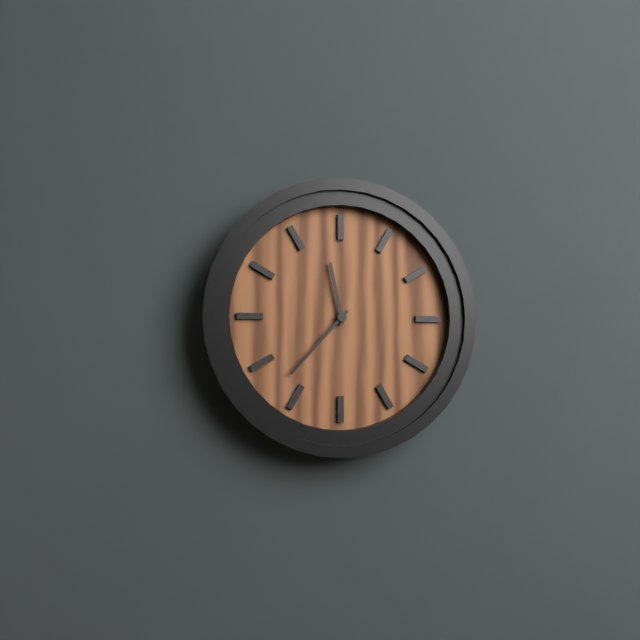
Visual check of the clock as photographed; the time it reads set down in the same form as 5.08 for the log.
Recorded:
11.37
